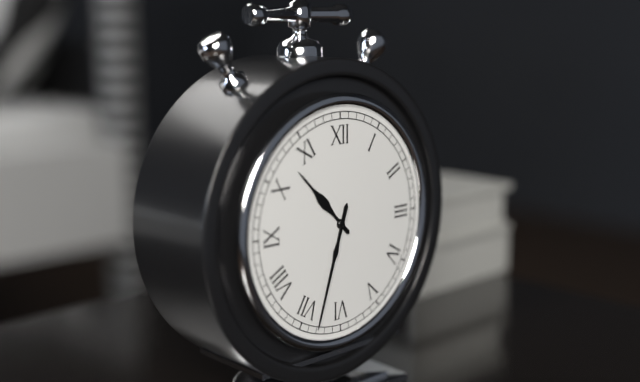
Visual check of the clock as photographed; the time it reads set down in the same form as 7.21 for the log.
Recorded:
10.33
